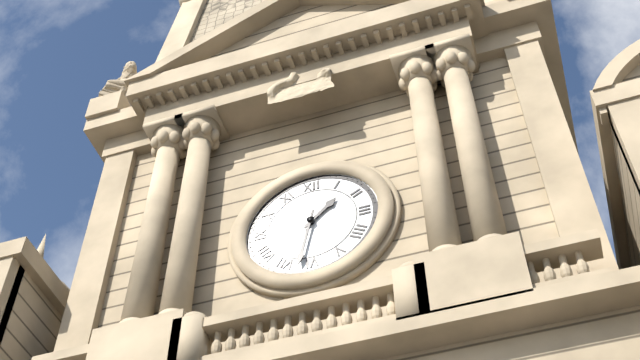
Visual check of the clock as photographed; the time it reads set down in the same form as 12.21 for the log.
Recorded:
1.32
